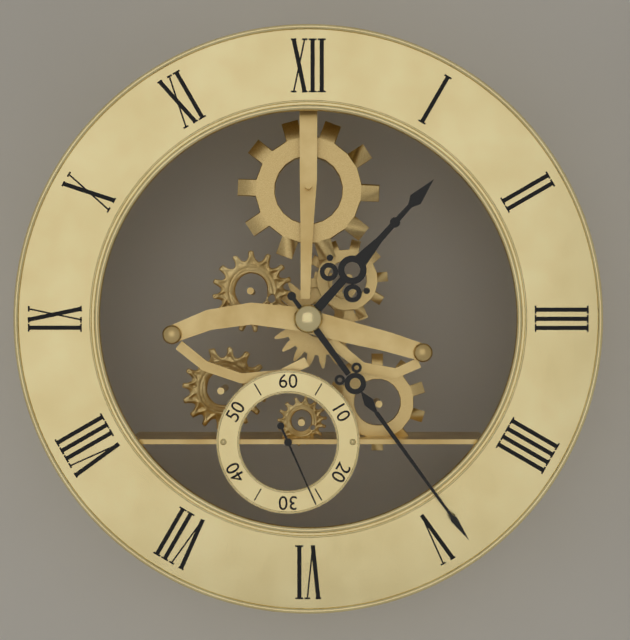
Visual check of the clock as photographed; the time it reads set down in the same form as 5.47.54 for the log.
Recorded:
1.24.26
